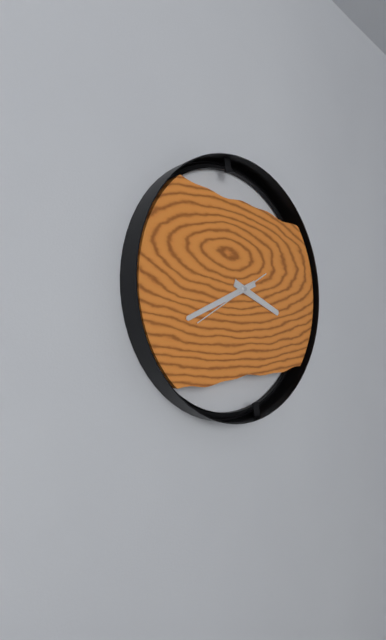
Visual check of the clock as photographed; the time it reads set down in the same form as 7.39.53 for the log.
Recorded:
3.41.40
